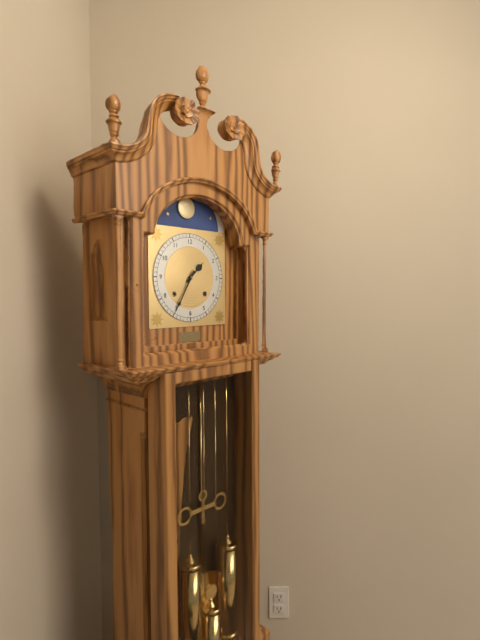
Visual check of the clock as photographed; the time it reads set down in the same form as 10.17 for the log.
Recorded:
1.35
